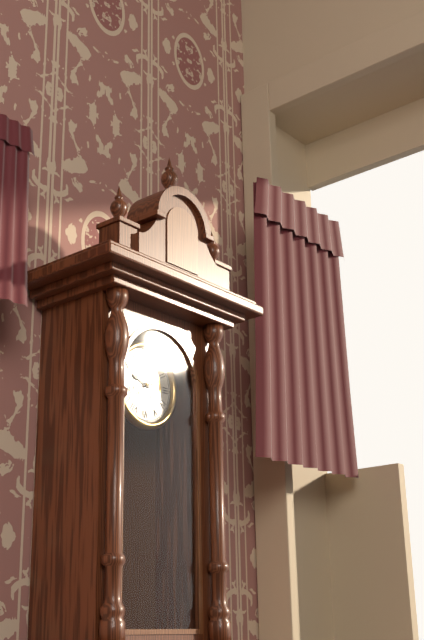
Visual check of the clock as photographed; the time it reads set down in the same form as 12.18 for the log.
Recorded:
9.42
